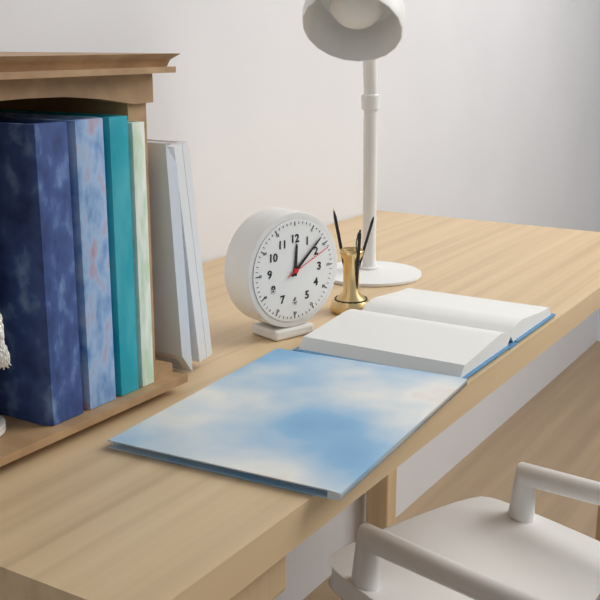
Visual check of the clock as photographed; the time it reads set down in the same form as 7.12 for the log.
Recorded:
12.08
